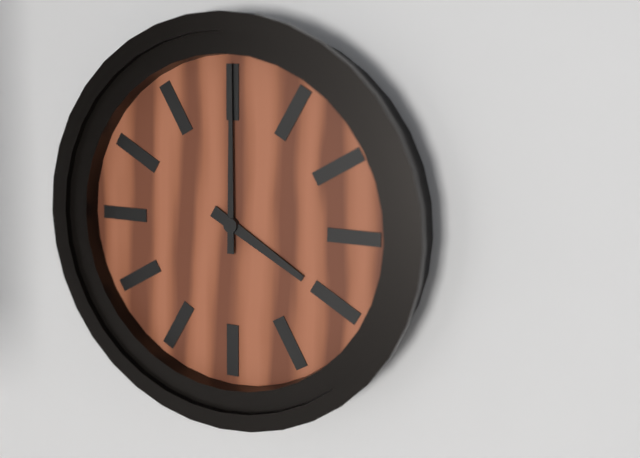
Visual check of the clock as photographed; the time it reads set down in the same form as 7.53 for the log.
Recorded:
4.00
